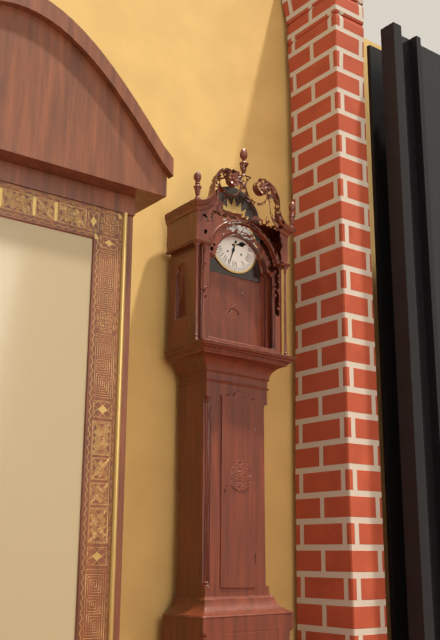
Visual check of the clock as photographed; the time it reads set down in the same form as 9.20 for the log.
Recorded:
2.33
